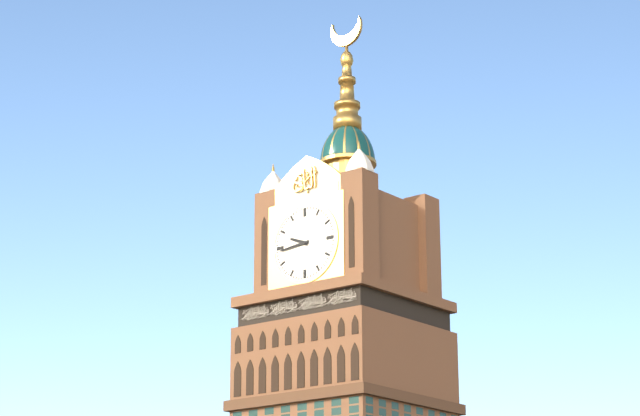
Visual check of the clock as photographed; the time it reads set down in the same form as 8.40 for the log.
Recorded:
9.44
